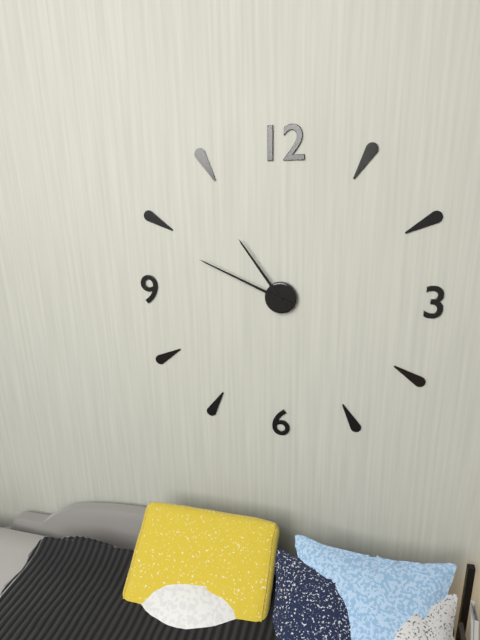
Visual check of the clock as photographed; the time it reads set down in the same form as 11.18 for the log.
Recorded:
10.49
